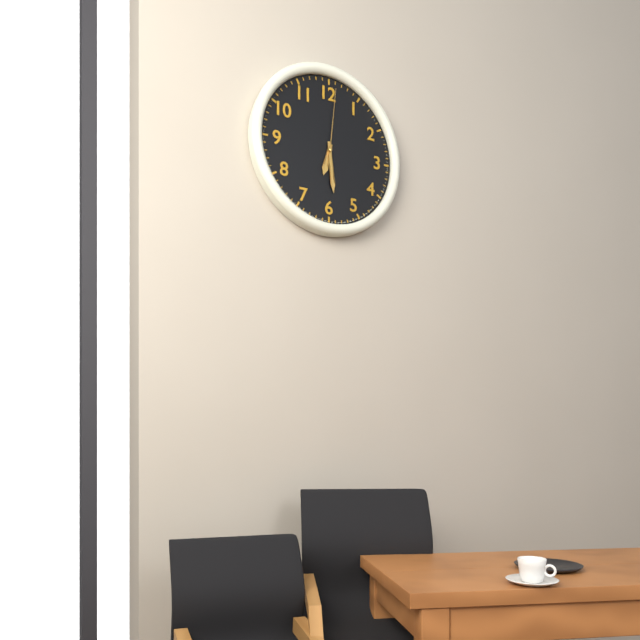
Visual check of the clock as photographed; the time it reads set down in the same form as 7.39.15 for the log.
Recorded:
6.29.01
